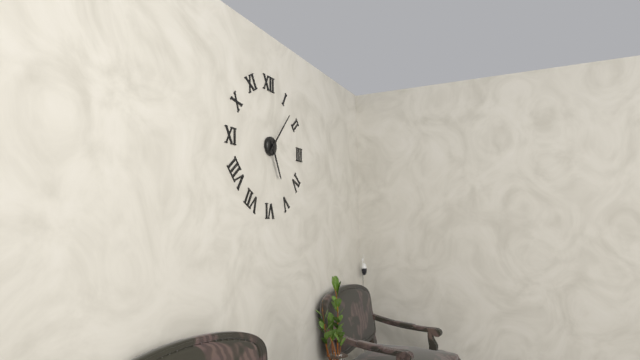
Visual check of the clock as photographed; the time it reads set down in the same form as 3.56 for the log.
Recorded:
5.07
